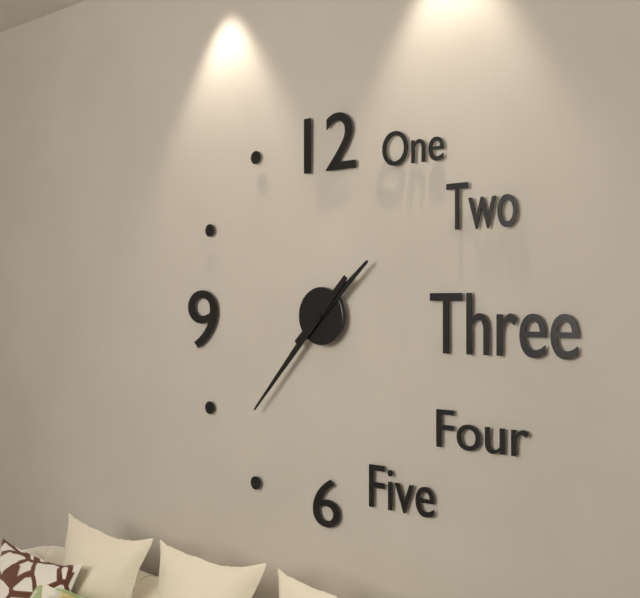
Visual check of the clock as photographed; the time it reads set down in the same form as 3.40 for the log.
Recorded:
1.37
